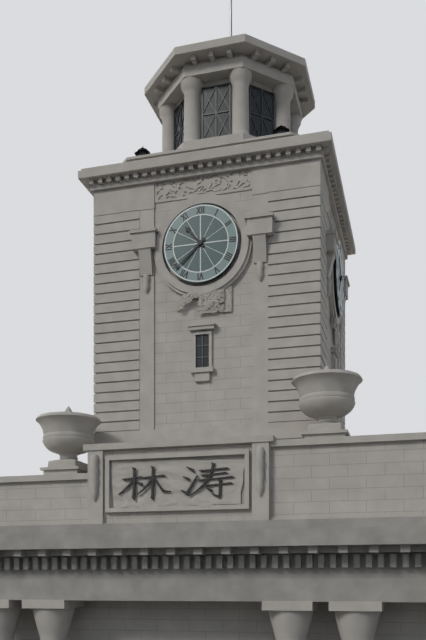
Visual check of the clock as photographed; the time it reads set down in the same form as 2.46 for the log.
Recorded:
10.38
